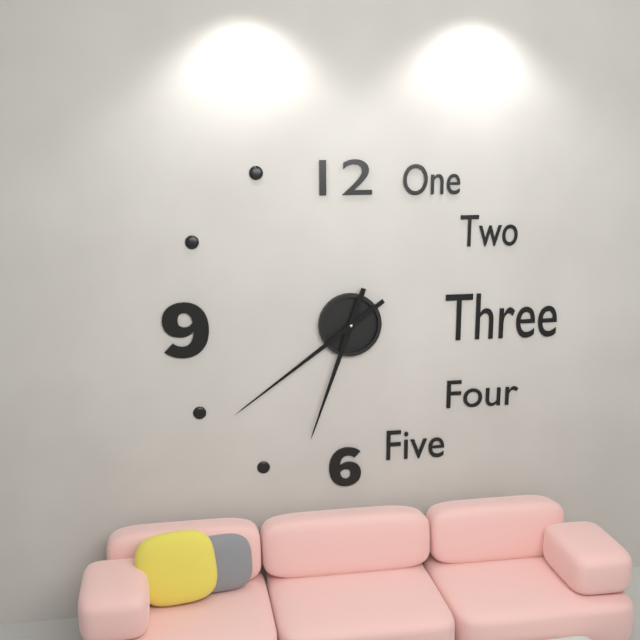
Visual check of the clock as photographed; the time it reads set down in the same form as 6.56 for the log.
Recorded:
6.39
